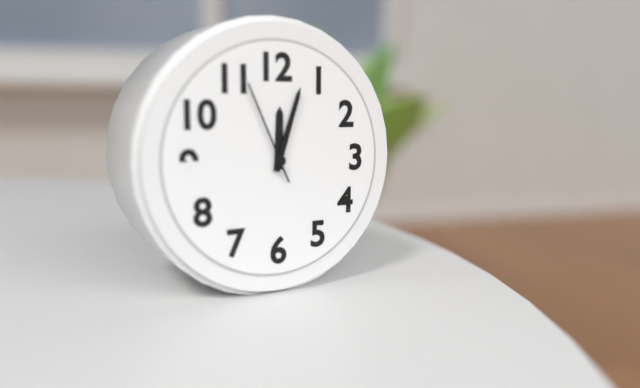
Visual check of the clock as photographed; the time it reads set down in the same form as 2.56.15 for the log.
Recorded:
12.03.56
